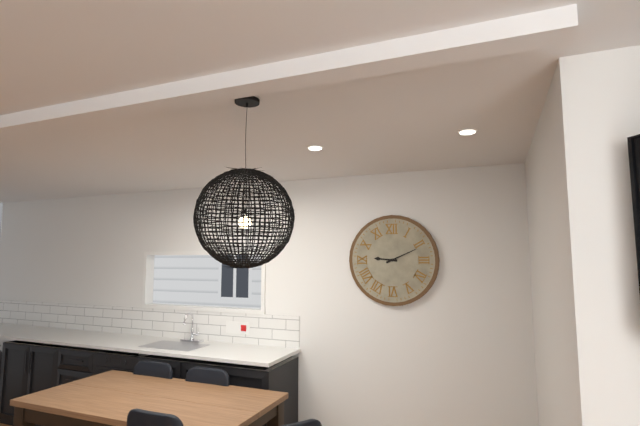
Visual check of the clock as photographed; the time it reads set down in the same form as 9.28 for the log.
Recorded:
9.11
